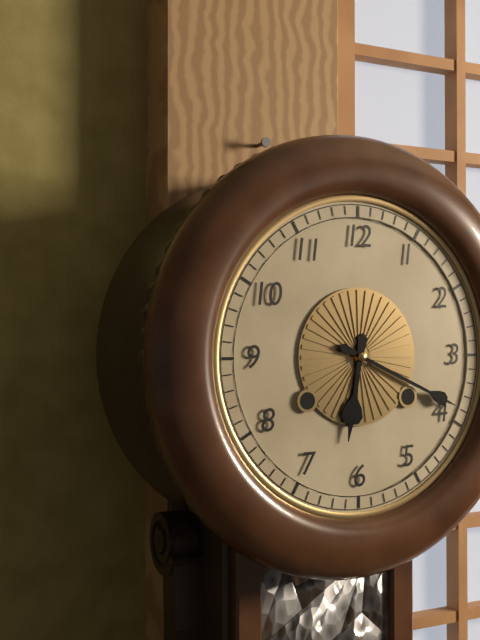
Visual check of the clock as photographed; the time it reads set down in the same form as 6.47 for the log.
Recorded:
6.19
